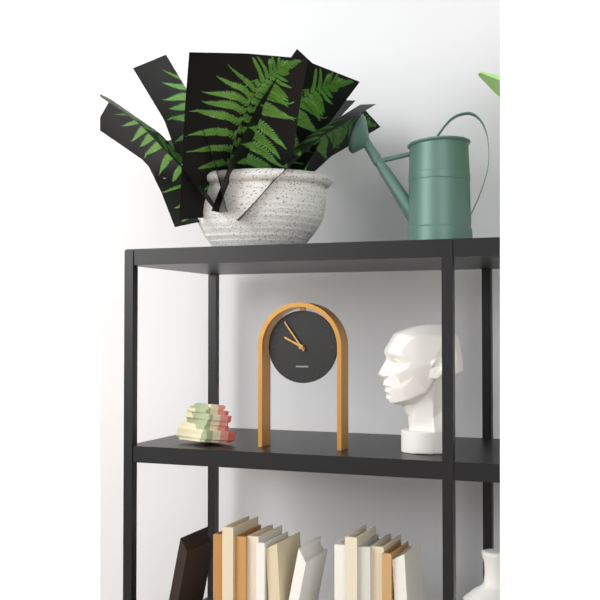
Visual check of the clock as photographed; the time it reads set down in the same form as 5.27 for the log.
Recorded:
9.54
